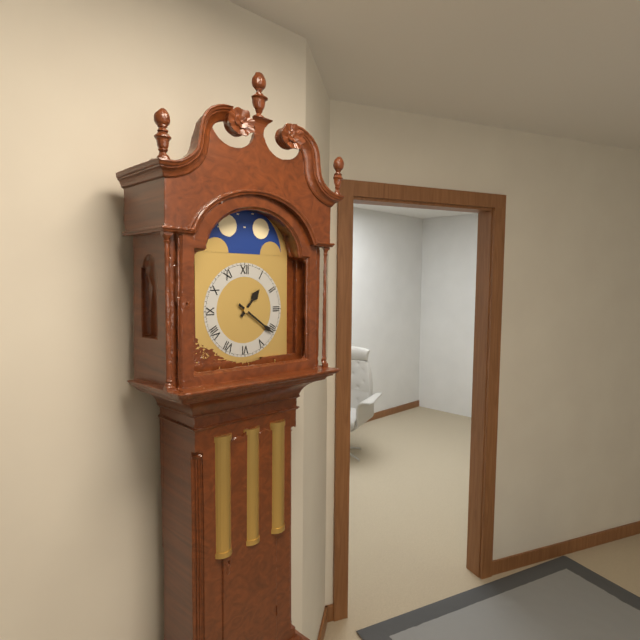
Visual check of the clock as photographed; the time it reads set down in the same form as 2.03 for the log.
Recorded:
1.21
